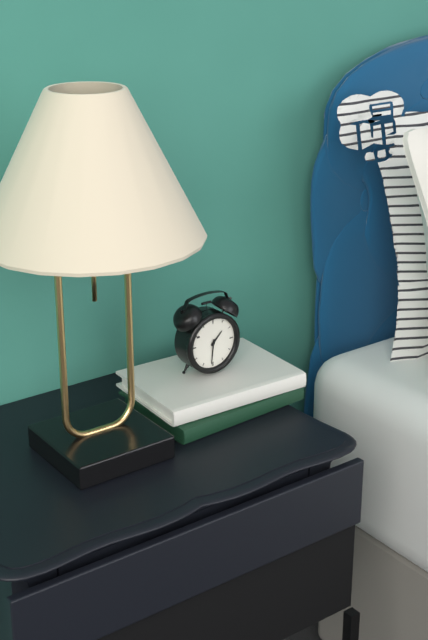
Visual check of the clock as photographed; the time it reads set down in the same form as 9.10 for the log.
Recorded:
1.31
